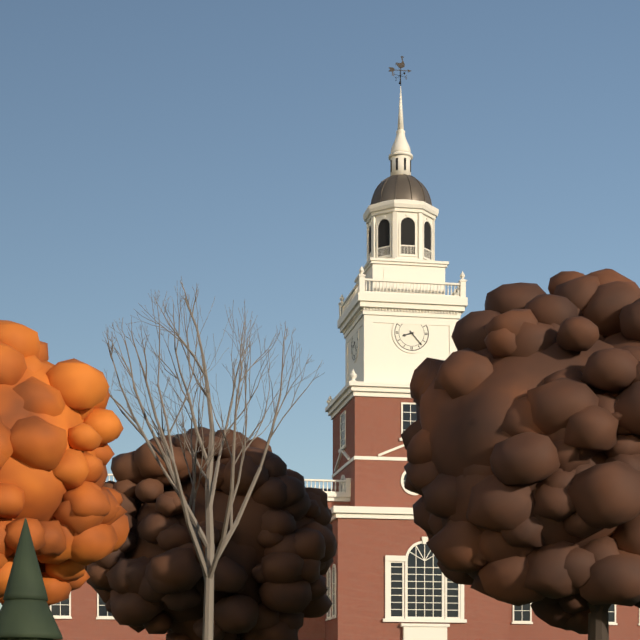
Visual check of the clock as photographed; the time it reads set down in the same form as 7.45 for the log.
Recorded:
8.23
